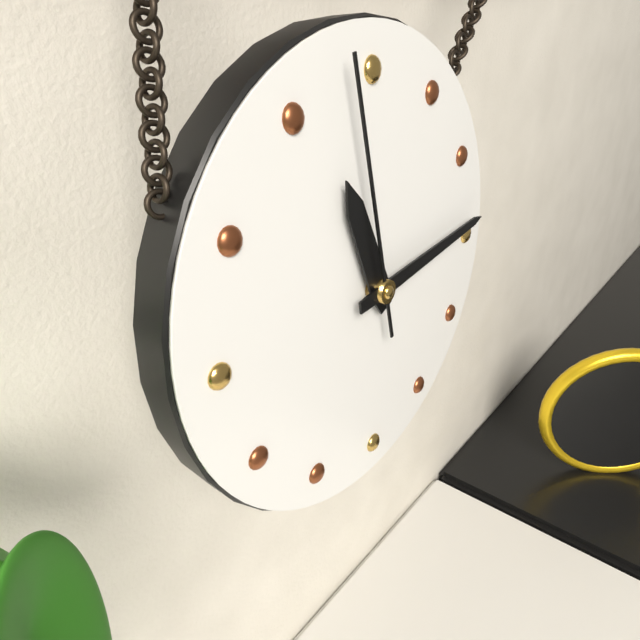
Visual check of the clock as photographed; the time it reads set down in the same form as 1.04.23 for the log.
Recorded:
11.14.58
